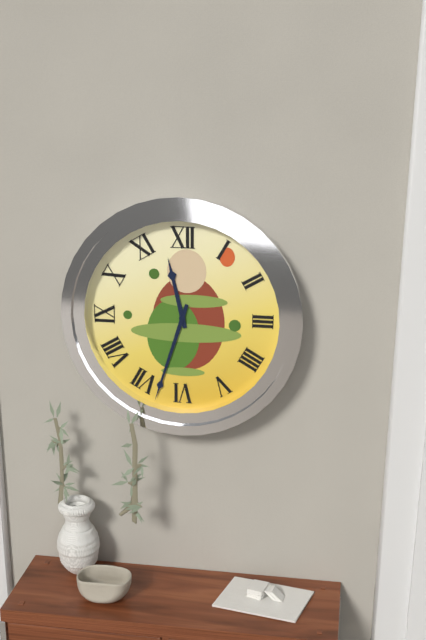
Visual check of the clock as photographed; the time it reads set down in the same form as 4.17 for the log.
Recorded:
11.33
